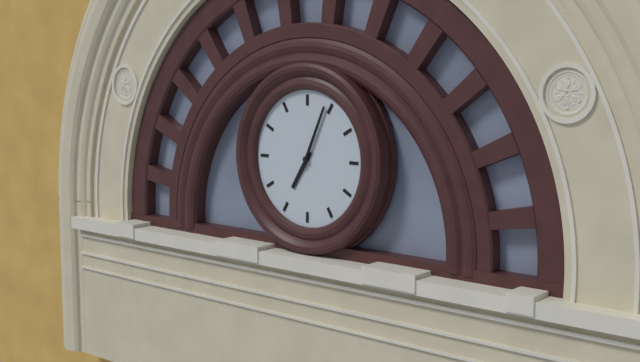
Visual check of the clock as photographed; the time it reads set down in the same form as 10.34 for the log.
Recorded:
7.04
